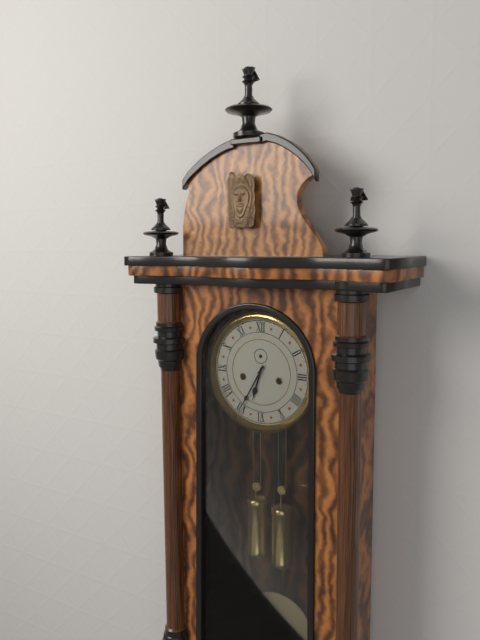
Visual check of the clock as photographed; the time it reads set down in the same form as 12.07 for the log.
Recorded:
6.35
